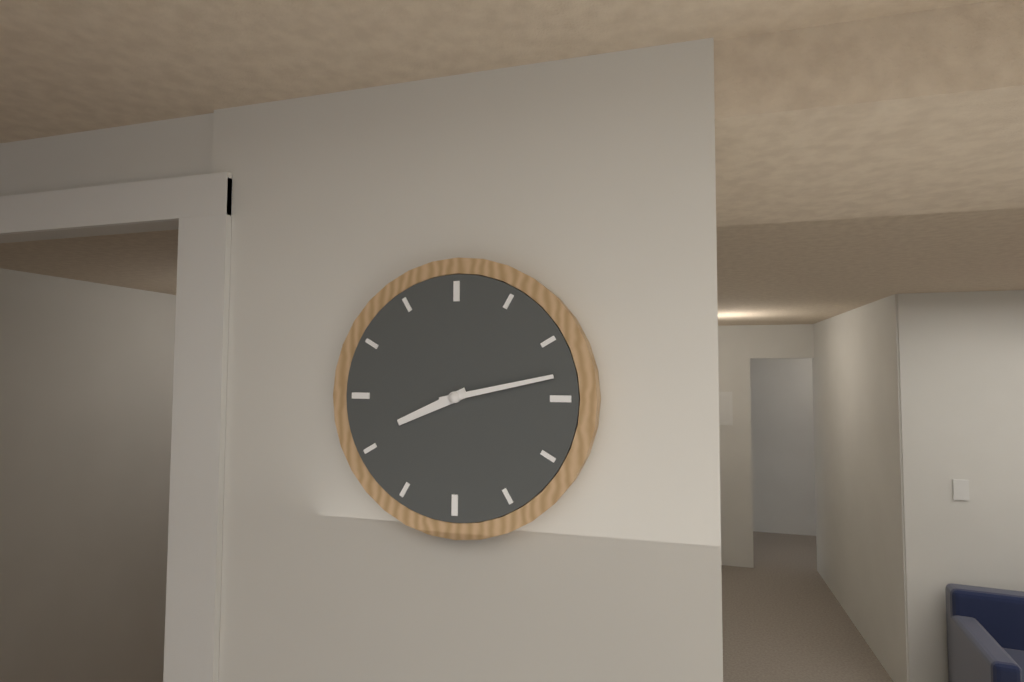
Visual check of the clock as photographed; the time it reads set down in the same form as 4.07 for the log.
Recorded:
8.13
